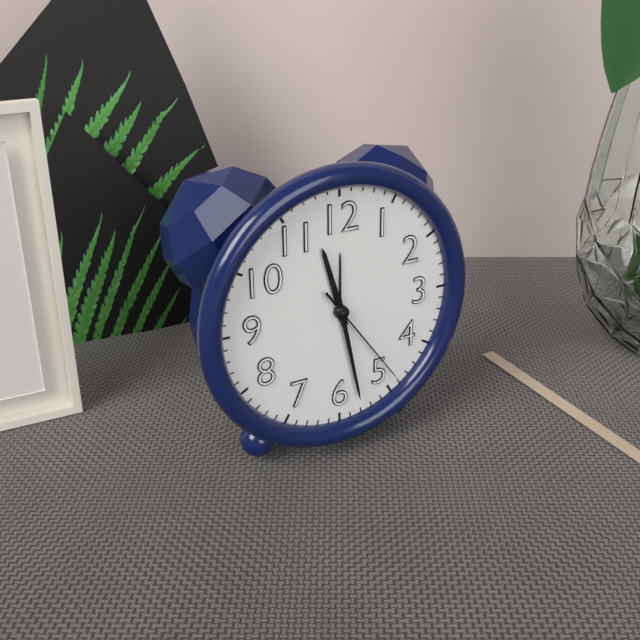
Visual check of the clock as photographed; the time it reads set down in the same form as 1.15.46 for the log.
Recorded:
11.28.24
